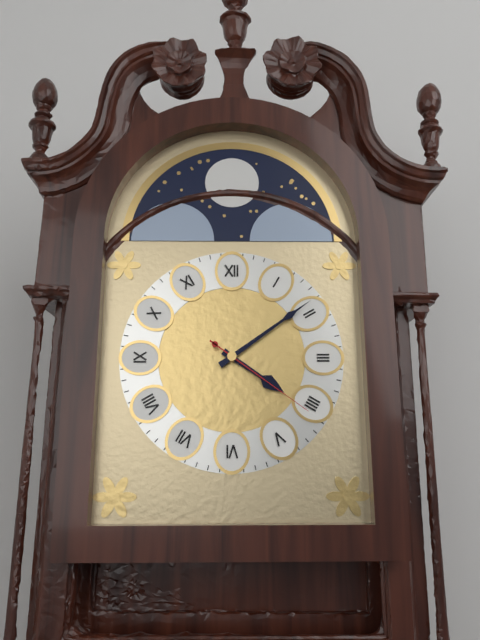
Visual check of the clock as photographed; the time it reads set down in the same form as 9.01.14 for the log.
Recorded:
4.09.21
